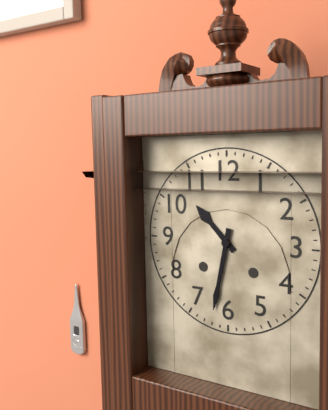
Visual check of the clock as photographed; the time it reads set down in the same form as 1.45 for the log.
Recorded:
10.32
